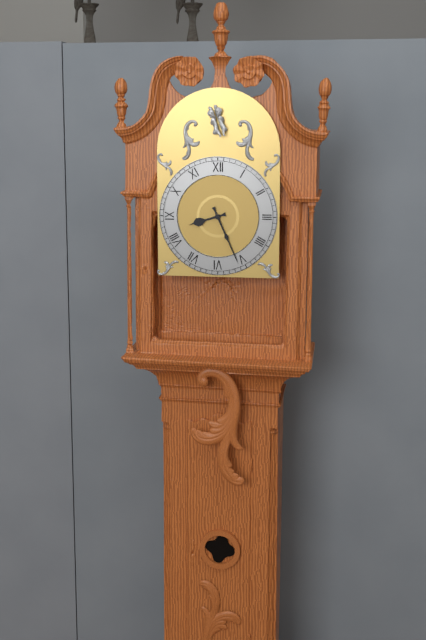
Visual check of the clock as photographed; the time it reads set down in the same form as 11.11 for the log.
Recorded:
8.26
